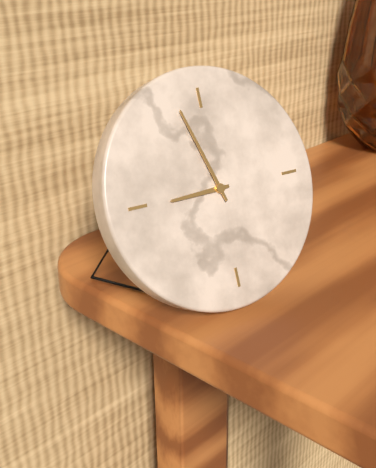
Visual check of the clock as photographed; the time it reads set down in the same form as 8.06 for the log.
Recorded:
8.57
